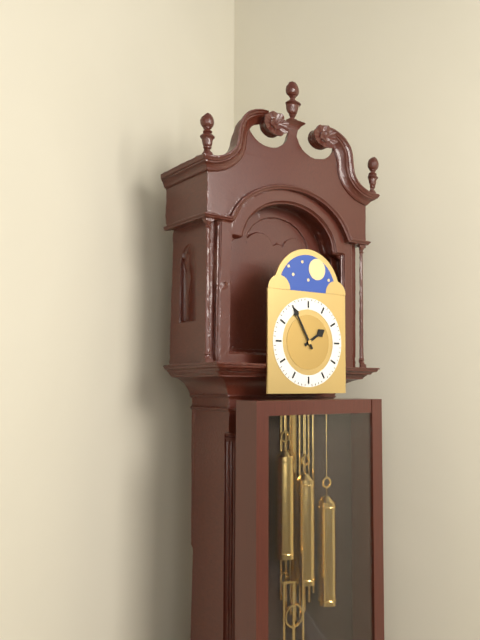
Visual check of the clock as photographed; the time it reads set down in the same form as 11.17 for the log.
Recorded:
1.55
